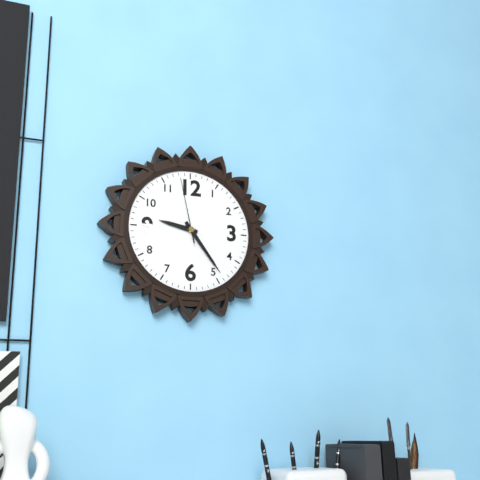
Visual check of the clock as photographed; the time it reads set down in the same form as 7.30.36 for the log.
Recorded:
9.24.58
